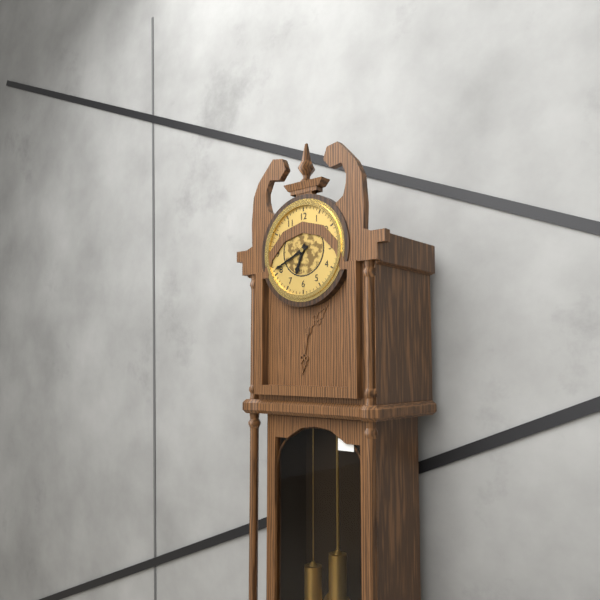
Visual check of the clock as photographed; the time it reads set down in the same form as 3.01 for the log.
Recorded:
6.41
